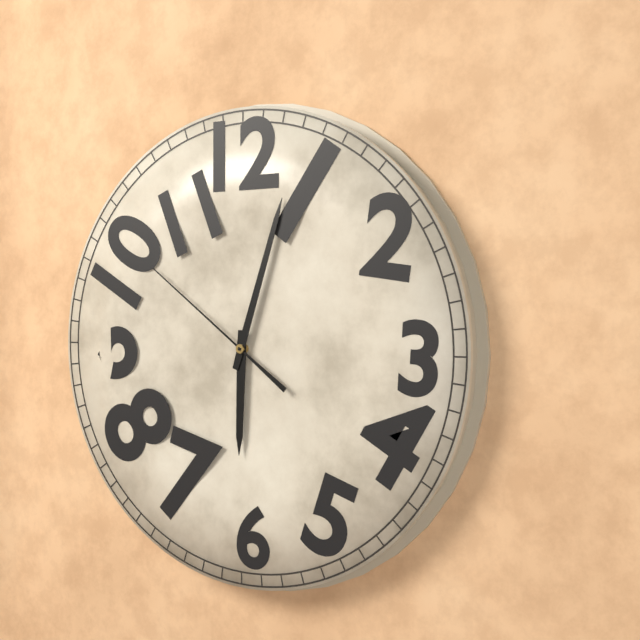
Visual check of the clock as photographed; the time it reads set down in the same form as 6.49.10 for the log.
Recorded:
6.03.51
